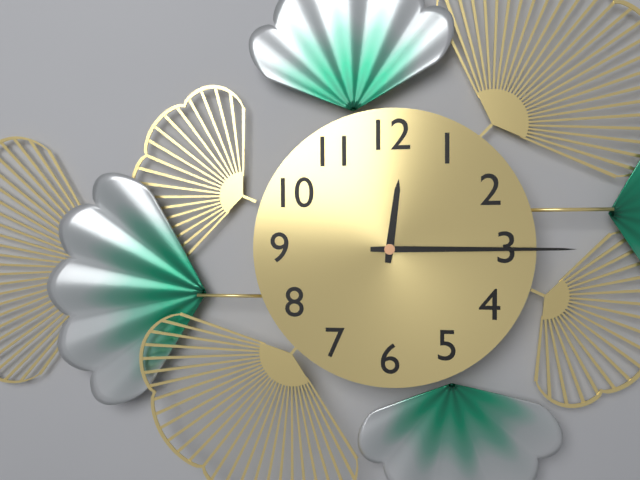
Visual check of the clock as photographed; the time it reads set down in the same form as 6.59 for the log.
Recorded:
12.15
